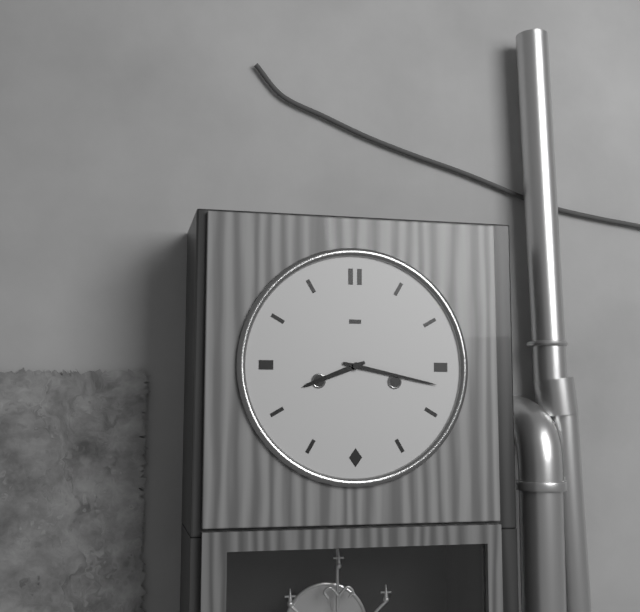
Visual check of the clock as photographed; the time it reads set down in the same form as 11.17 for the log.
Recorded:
8.17
